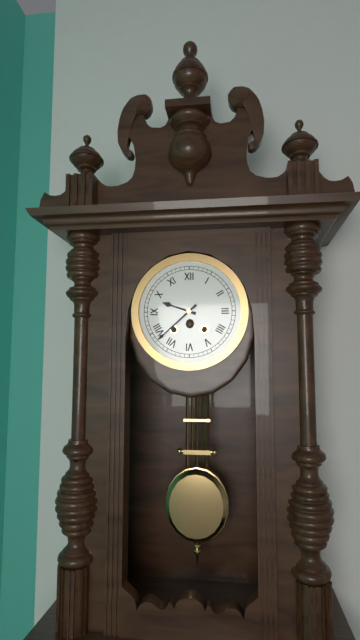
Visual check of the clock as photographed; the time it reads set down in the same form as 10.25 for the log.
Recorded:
9.38
